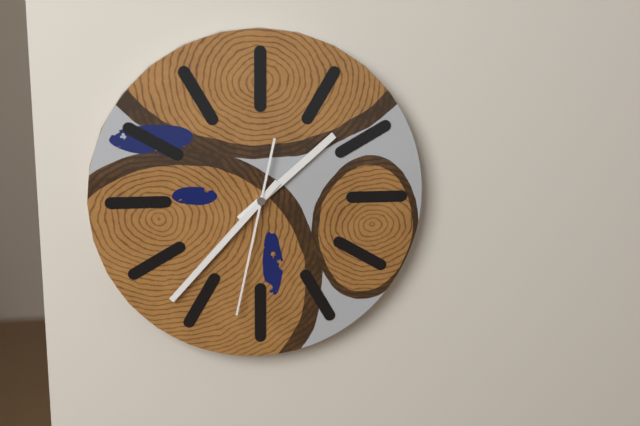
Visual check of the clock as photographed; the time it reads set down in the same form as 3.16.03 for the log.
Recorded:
1.37.32
